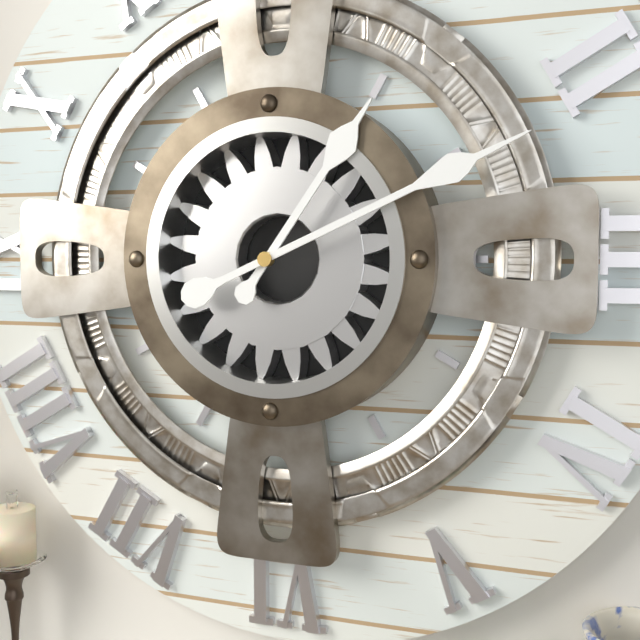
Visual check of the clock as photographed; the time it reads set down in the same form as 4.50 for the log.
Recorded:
1.11
